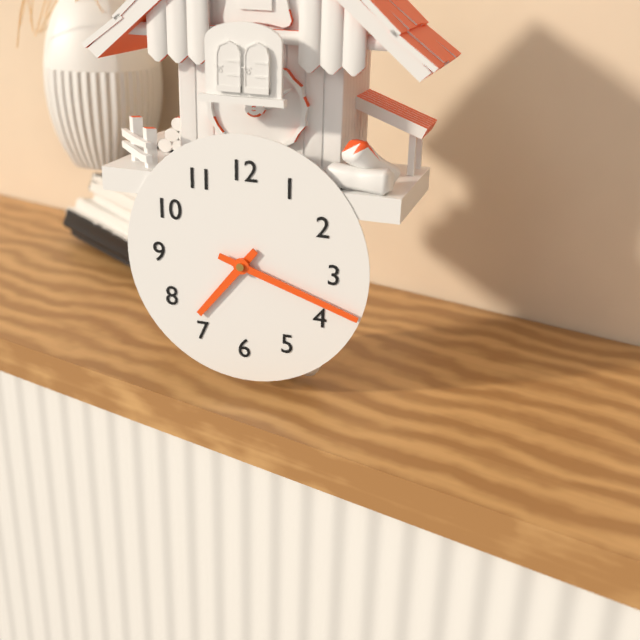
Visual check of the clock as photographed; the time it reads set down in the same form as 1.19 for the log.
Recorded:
7.18
